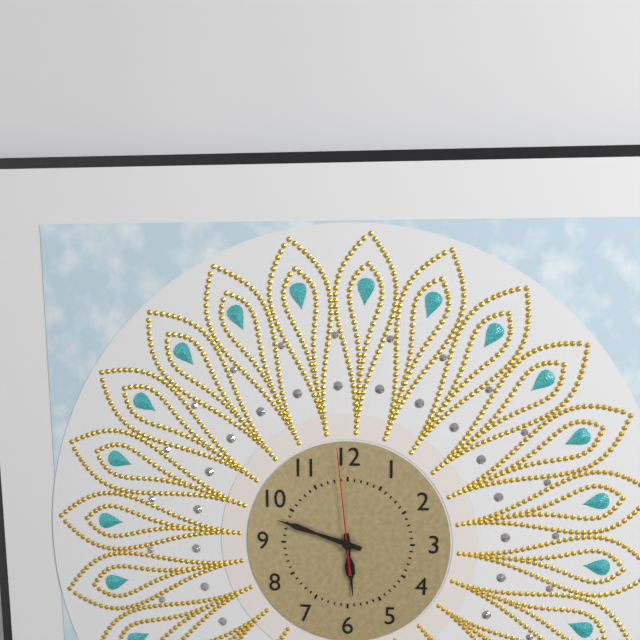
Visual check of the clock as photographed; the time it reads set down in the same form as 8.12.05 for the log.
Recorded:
5.48.59
